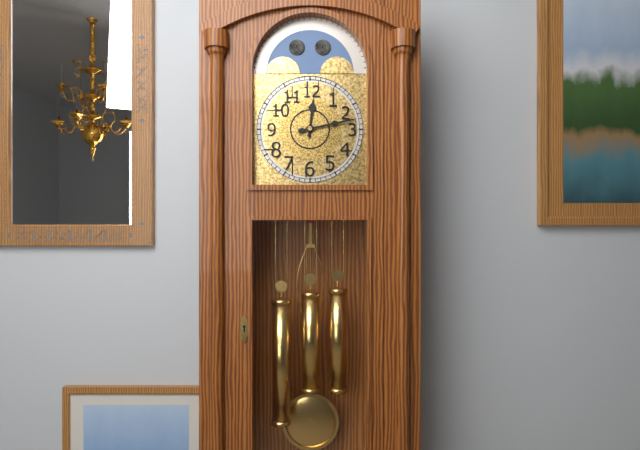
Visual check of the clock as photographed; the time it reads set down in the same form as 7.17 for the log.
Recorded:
12.13
